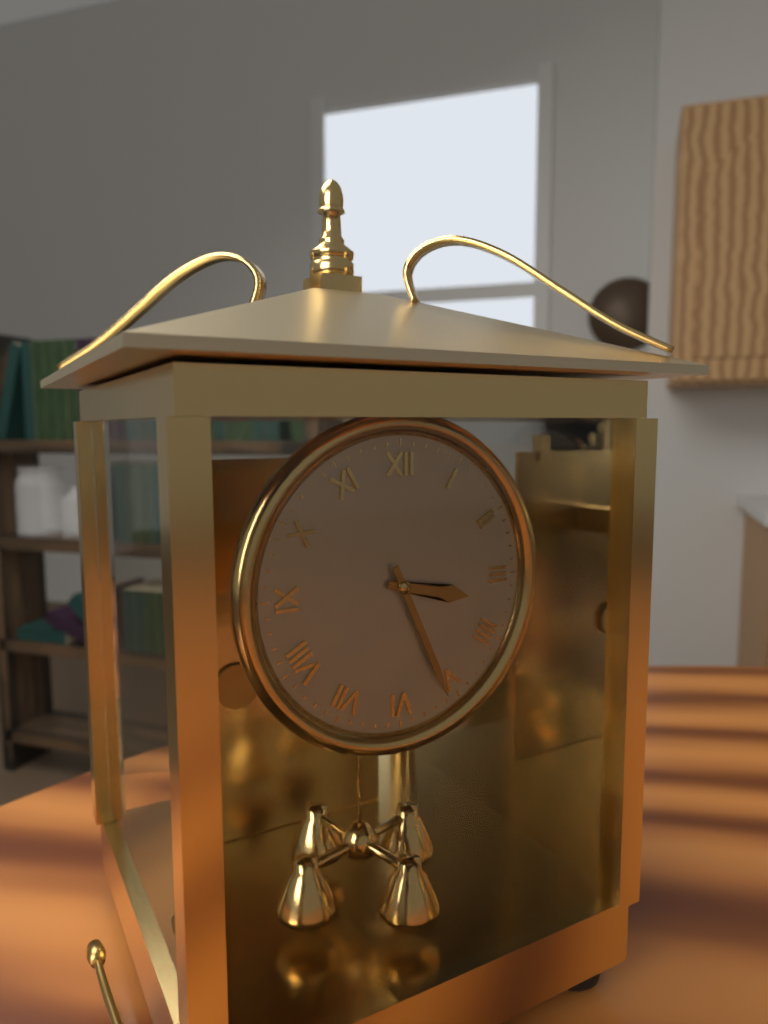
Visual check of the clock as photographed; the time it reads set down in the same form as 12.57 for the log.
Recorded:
3.26
